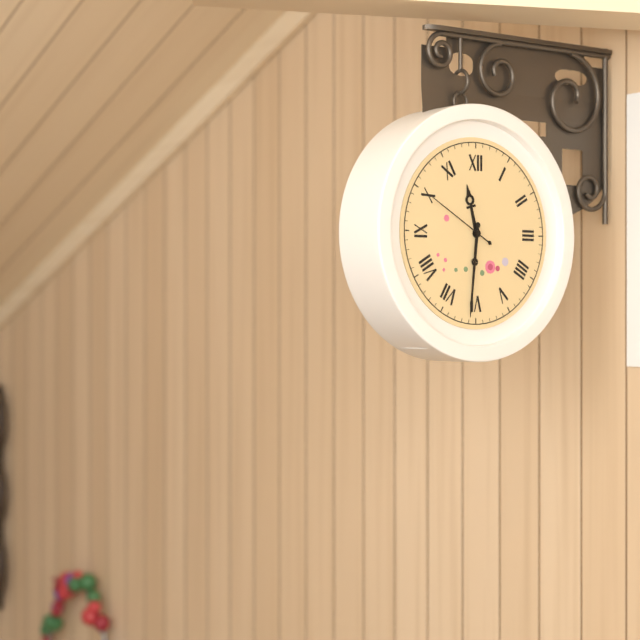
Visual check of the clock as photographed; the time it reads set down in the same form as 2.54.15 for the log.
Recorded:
11.31.50
